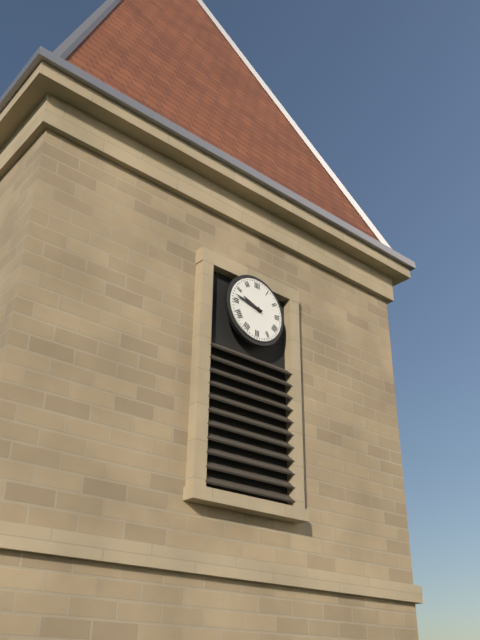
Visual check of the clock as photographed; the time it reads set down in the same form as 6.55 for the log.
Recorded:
9.47
